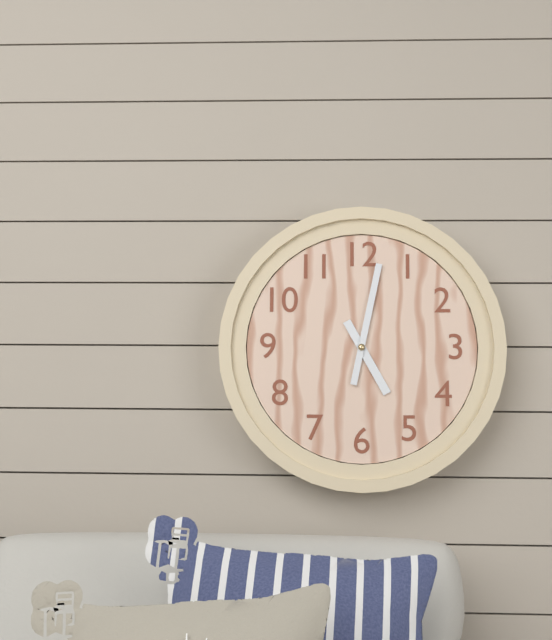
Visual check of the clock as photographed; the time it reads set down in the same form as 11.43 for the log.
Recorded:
5.02
